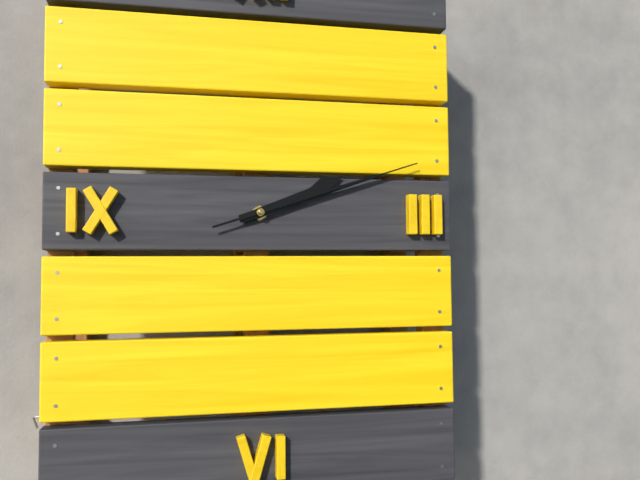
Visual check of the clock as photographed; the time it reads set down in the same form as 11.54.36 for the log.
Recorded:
2.12.12
